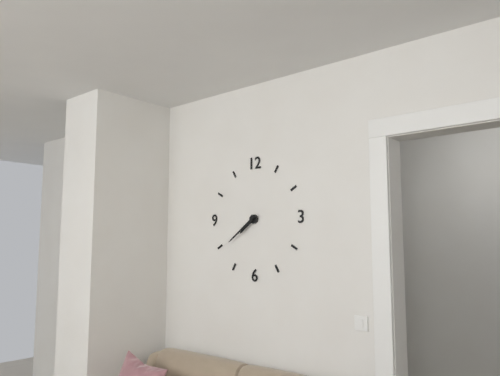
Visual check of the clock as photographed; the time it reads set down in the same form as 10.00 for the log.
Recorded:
7.39
